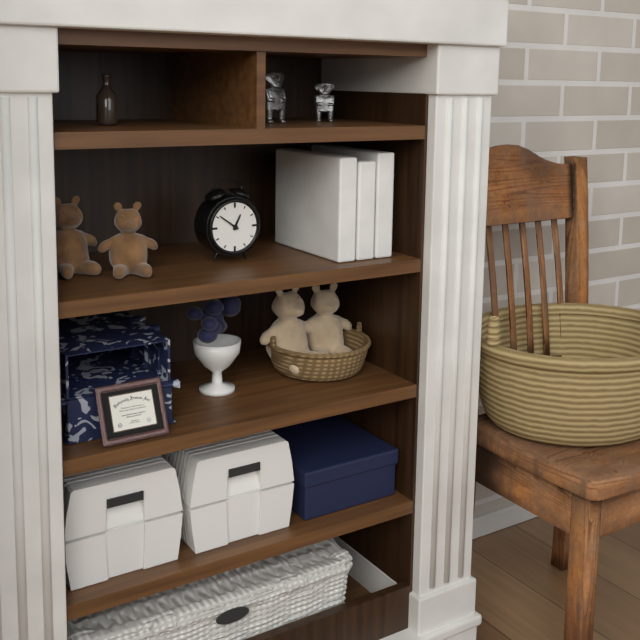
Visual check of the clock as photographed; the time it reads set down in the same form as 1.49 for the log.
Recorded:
12.51
